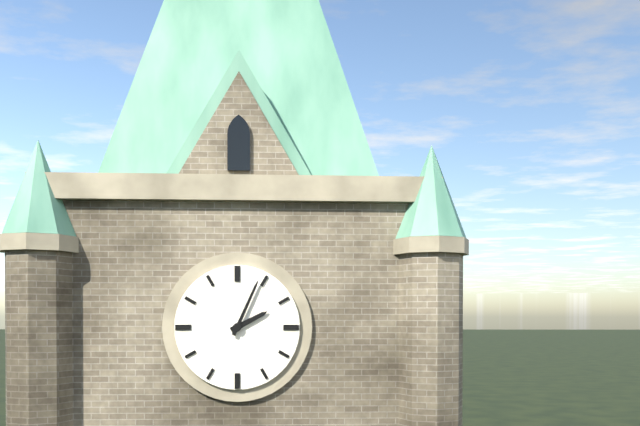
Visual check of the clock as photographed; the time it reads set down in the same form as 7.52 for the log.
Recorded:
2.04
